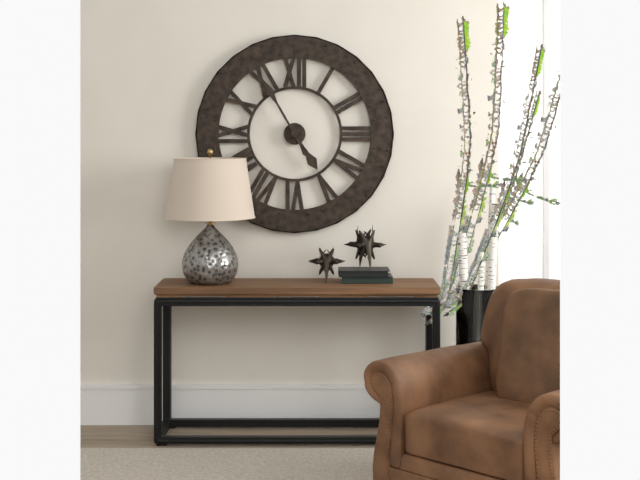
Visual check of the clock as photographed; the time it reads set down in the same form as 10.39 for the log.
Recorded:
4.55
